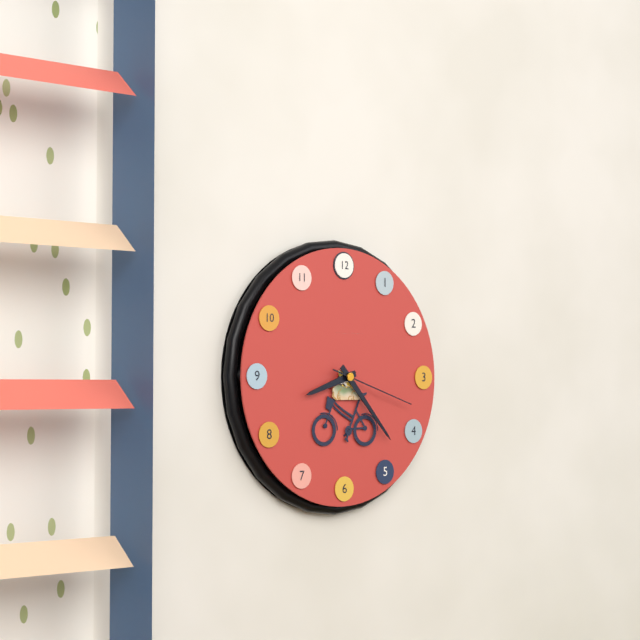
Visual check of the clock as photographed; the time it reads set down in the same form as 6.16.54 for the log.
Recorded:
8.23.18
